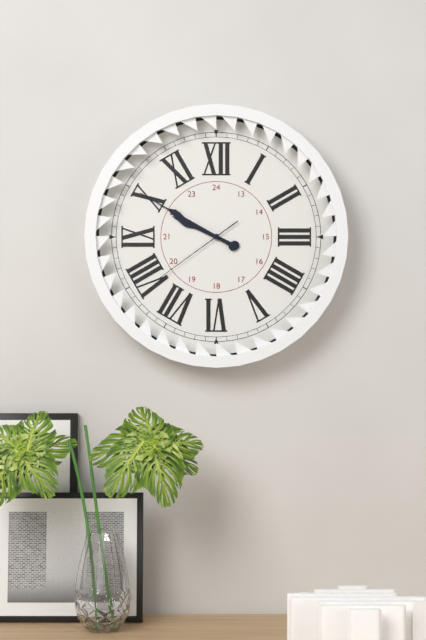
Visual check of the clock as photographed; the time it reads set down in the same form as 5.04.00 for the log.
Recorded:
9.50.39
